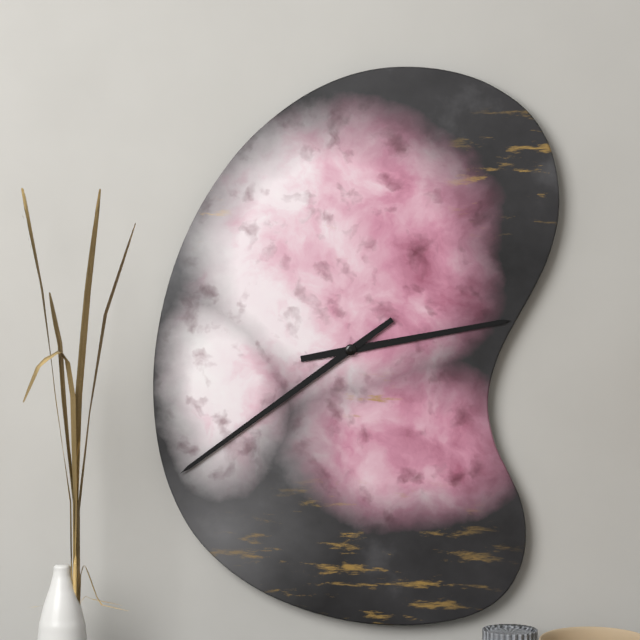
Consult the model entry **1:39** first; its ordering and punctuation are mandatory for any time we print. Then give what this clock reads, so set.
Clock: **2:39**
